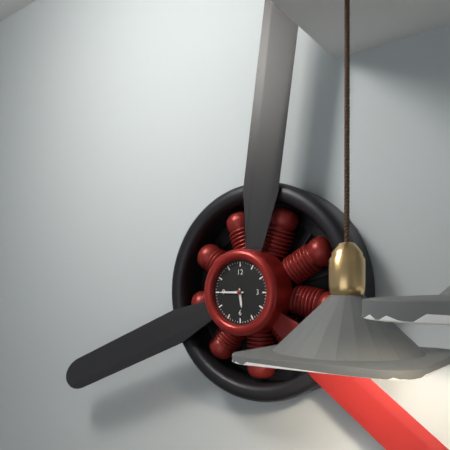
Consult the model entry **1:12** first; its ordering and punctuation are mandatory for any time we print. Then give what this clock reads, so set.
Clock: **5:45**
